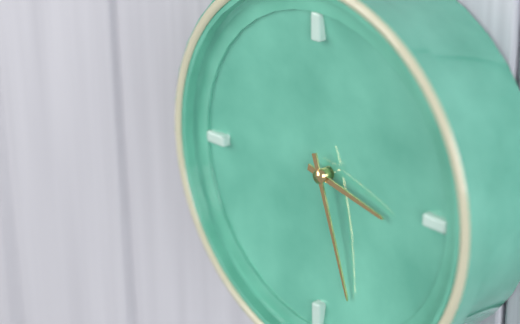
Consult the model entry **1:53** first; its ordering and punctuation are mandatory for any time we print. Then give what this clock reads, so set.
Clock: **3:27**
